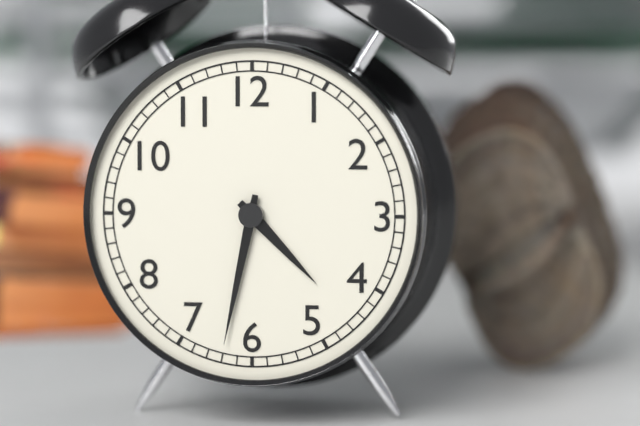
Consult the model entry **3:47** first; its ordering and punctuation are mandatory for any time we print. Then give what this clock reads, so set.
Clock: **4:32**
